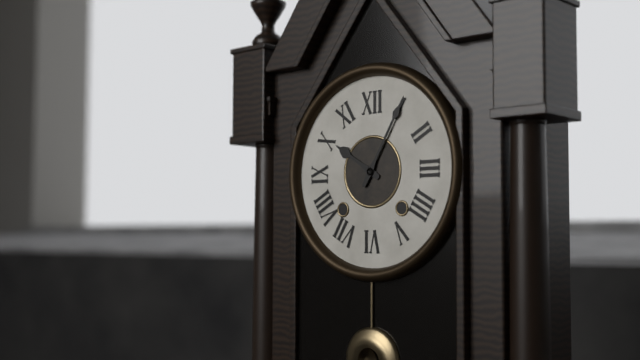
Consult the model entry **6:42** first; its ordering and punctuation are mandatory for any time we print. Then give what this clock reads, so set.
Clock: **10:05**
